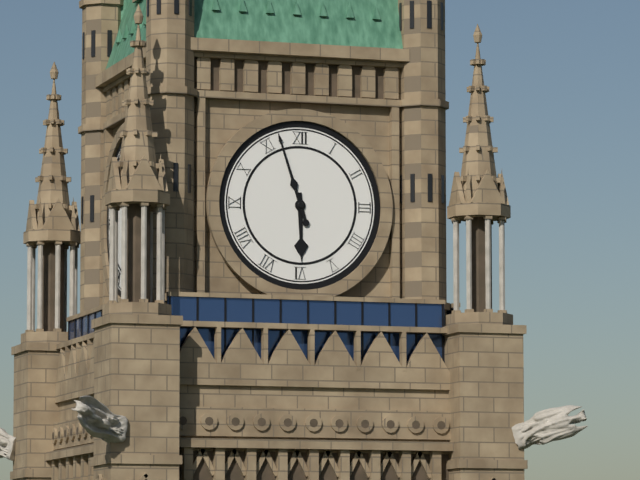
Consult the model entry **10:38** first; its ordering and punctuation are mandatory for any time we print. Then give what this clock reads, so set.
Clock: **5:57**
